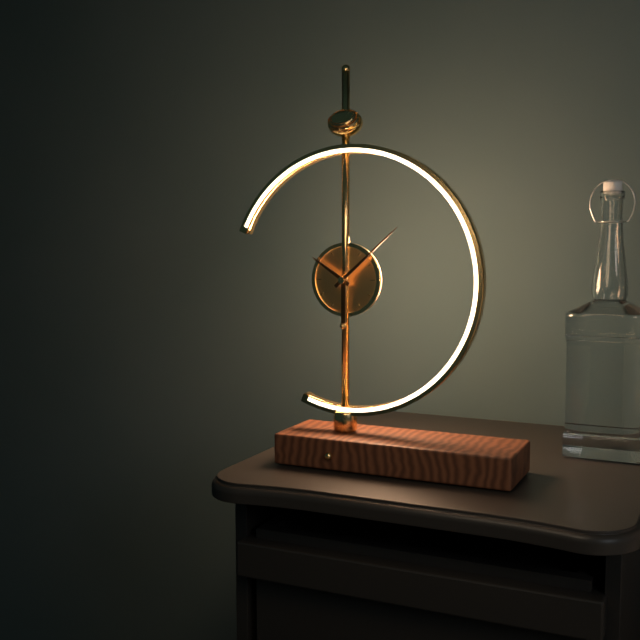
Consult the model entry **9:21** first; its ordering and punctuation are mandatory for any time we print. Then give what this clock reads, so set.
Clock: **10:08**
